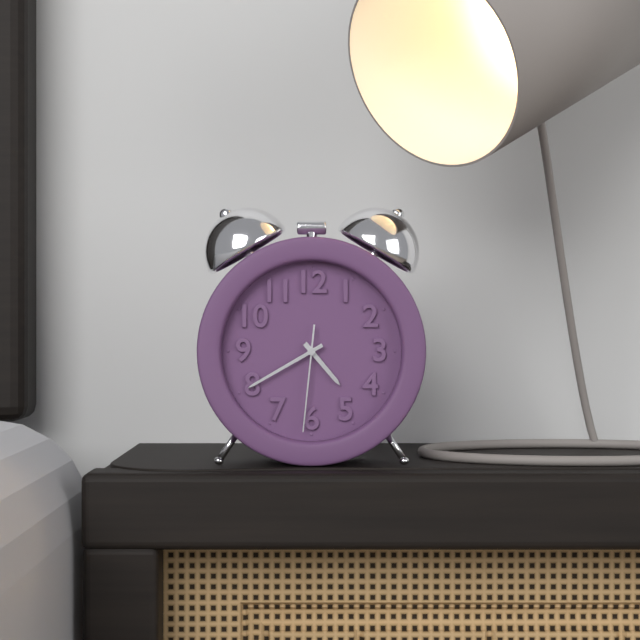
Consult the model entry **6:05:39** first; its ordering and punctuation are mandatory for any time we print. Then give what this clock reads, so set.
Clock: **4:40:31**
